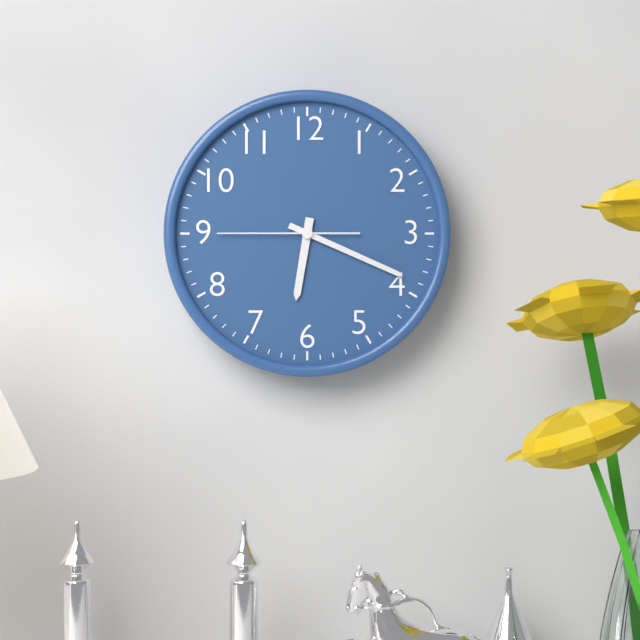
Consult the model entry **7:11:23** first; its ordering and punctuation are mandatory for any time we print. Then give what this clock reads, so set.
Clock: **6:19:45**
